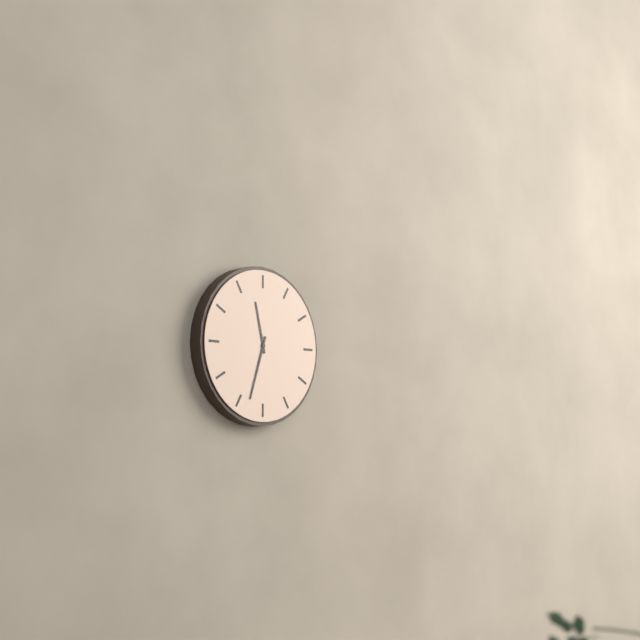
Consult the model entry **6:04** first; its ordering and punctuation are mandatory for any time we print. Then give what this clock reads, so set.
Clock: **11:33**
